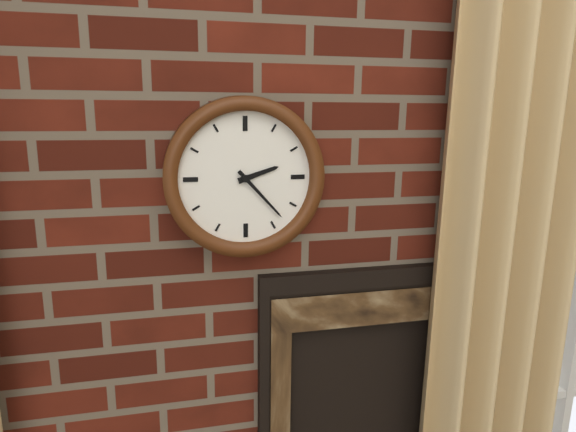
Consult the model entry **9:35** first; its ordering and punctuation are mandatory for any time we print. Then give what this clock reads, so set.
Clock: **2:23**
